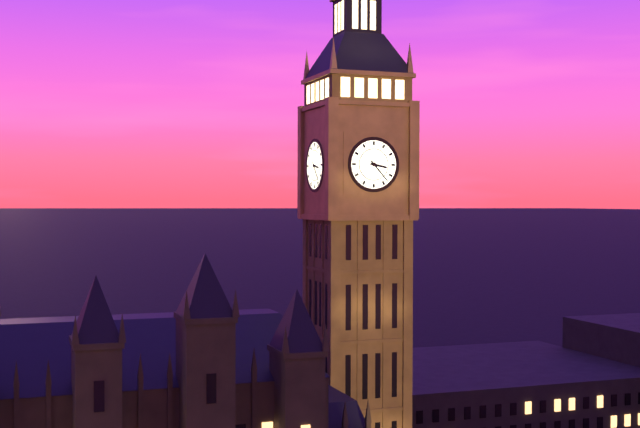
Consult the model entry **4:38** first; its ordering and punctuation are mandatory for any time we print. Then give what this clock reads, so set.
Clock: **3:23**
